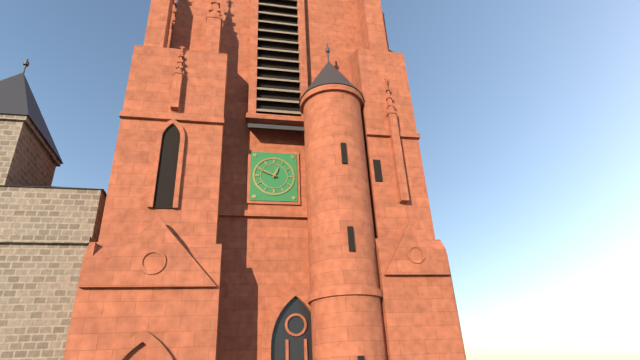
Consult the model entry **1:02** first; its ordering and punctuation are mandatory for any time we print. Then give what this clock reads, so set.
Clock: **12:49**
